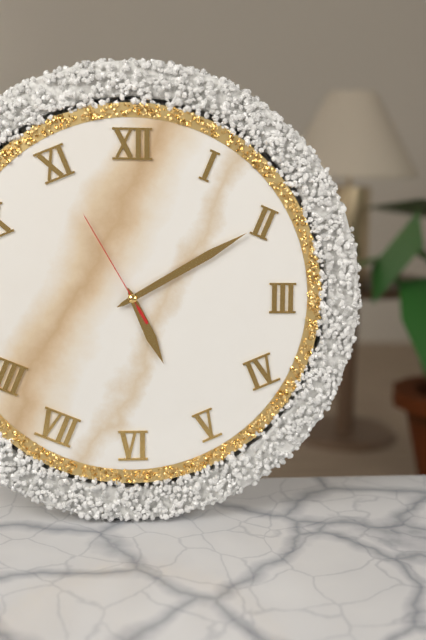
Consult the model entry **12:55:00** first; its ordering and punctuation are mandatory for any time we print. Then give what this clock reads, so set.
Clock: **5:10:55**
